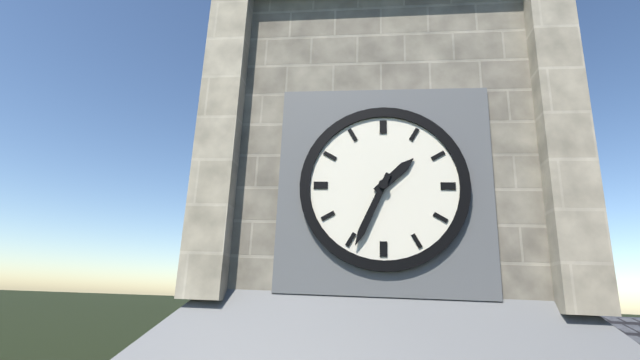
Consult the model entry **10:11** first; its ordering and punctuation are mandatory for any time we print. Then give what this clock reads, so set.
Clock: **1:34**
